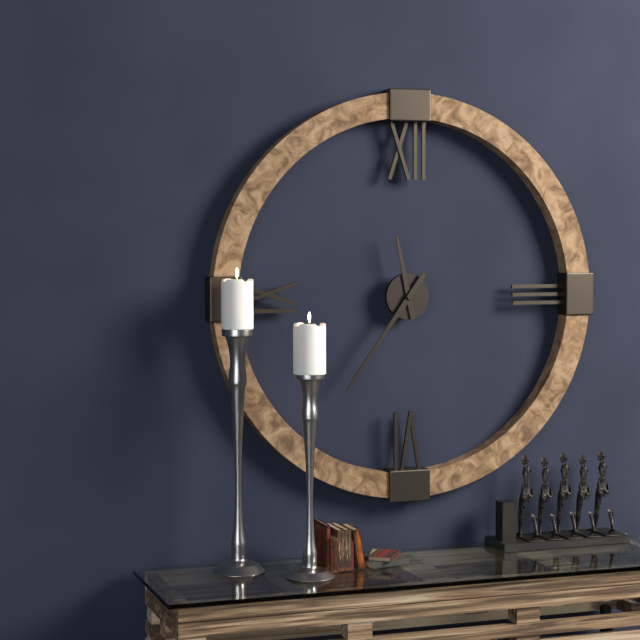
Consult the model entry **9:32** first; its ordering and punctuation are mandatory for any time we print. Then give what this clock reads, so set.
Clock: **11:36**
